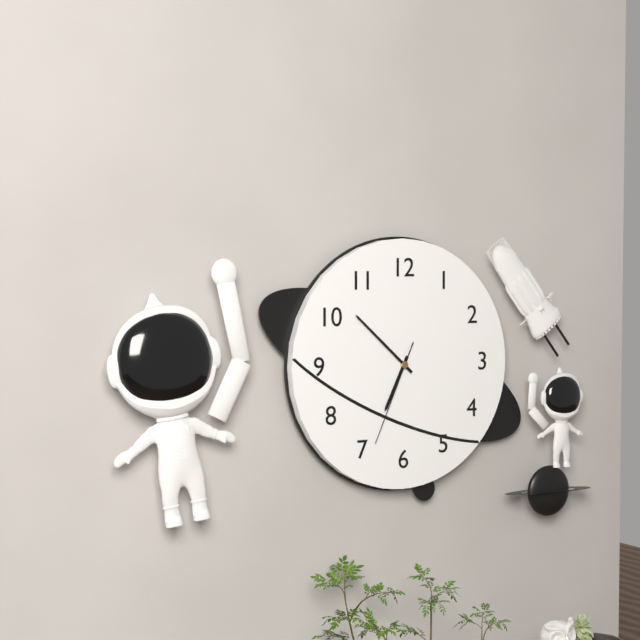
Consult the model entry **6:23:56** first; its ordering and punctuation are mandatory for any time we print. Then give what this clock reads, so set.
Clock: **6:52:34**
